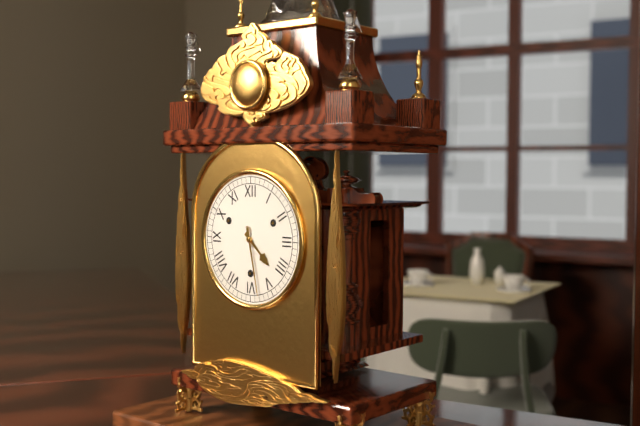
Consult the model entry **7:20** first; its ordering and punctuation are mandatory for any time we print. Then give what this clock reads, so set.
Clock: **4:28**
